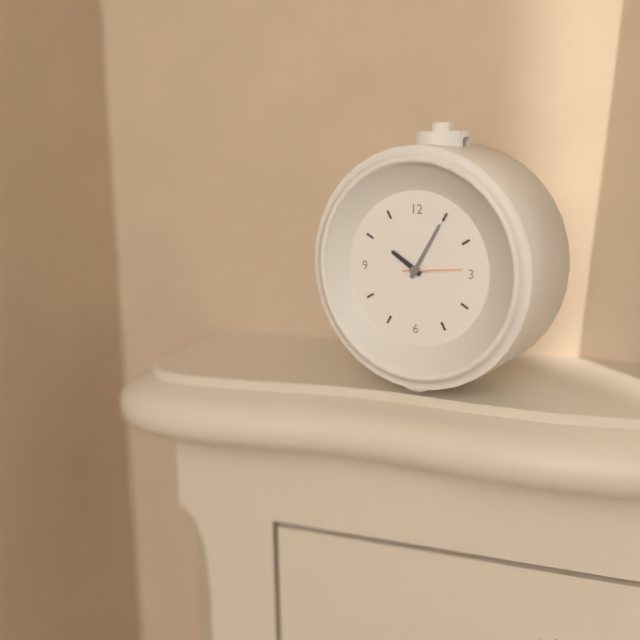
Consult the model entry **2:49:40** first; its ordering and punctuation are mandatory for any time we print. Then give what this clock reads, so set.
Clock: **10:05:14**
